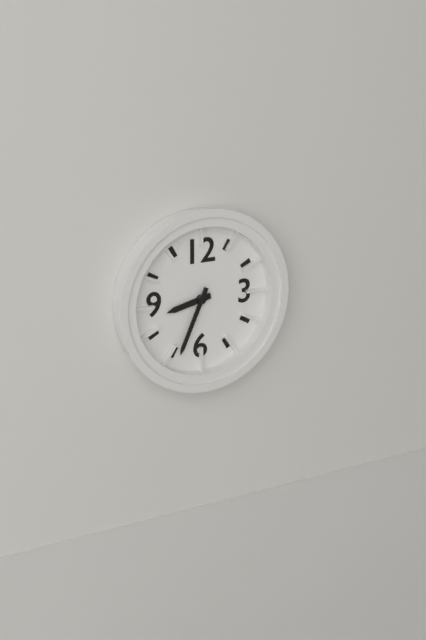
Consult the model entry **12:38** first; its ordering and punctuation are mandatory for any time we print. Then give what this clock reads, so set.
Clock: **8:34**
